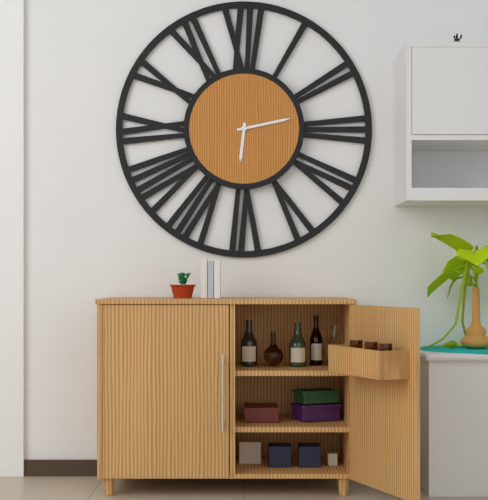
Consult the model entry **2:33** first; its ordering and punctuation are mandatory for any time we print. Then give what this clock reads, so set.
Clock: **6:13**
